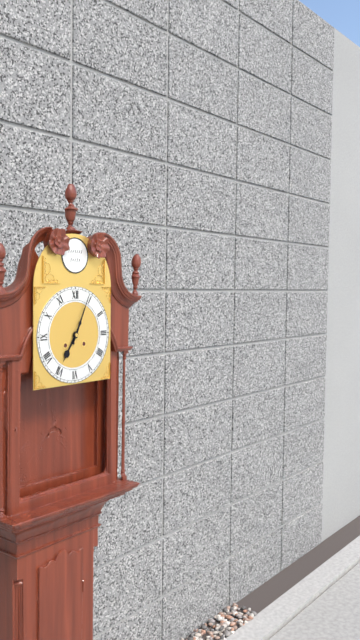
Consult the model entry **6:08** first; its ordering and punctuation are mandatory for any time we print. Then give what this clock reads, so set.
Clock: **7:04**
